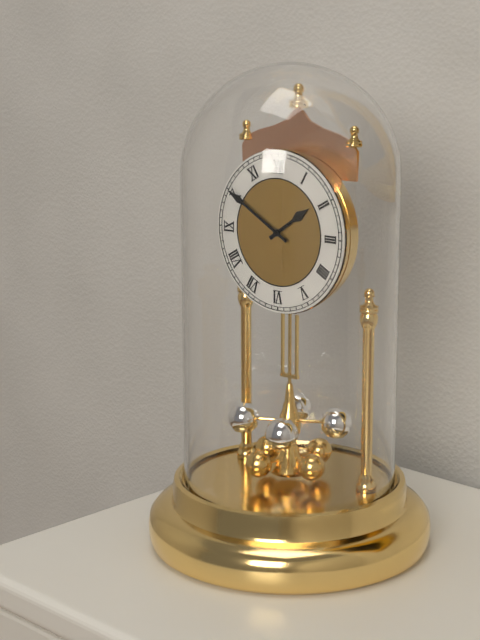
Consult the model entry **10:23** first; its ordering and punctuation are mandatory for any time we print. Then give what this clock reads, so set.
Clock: **1:50**
